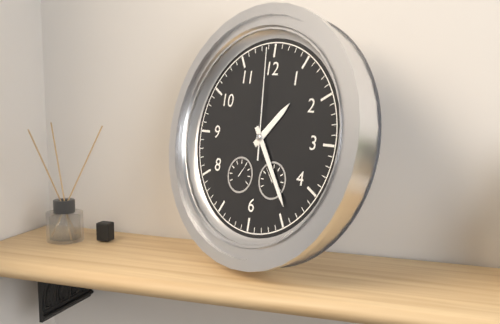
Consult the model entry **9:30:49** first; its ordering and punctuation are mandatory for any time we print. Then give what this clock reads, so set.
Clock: **1:24:59**
